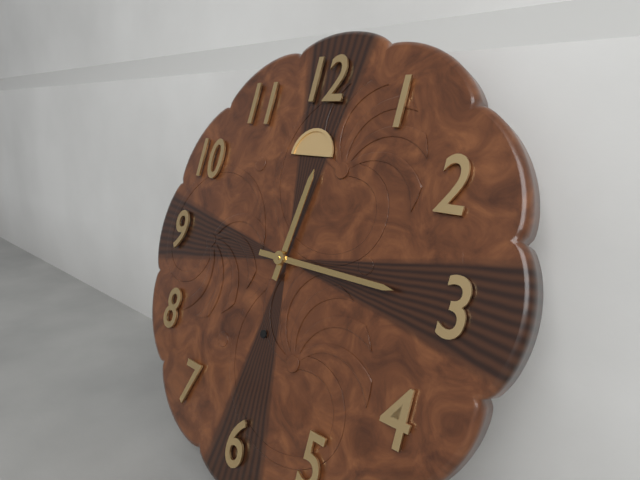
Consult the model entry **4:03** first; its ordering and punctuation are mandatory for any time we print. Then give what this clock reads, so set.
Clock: **12:15**
